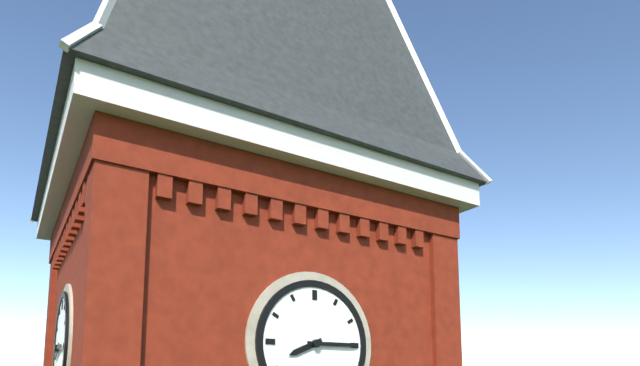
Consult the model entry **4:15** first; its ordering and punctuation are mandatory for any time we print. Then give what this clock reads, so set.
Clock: **8:15**
